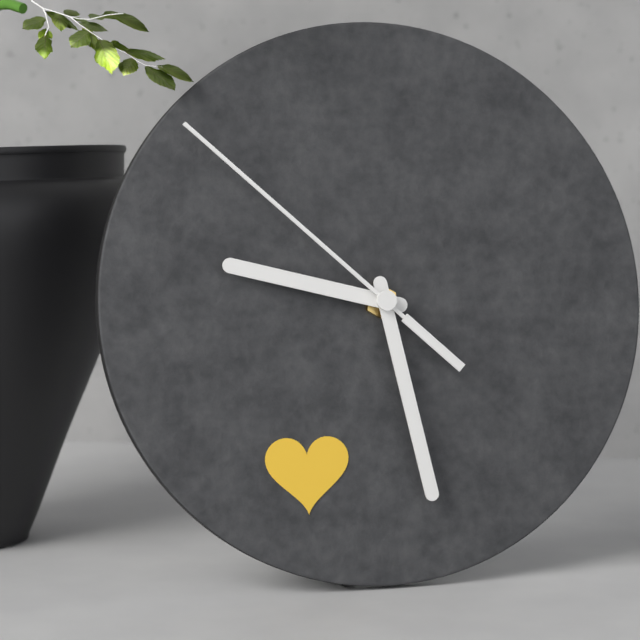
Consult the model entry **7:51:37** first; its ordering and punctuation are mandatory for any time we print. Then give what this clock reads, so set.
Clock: **9:28:52**
